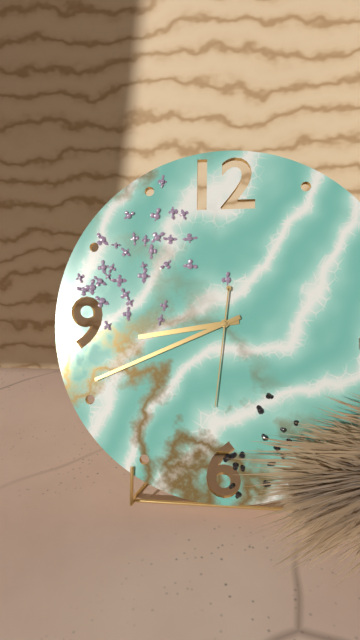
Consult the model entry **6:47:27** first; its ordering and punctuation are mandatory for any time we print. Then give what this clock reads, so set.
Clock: **8:41:31**
